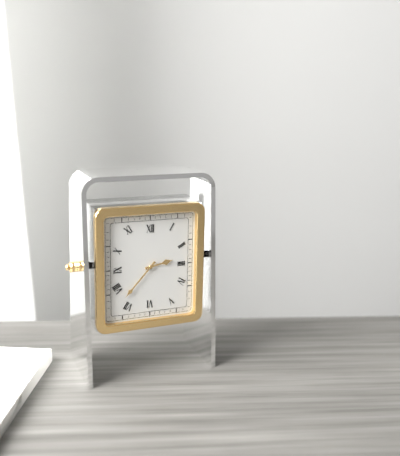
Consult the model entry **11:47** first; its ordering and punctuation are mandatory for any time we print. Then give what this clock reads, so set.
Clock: **2:37**
